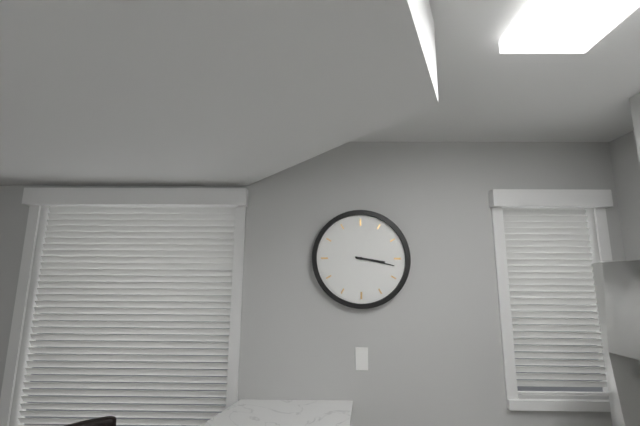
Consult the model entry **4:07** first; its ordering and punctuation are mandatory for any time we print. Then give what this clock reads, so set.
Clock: **3:17**
